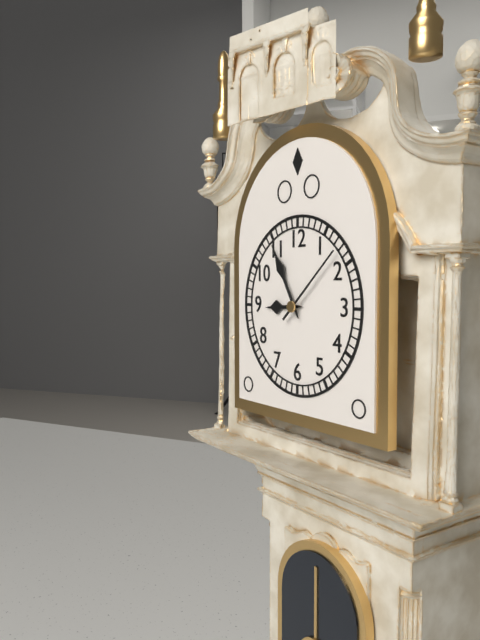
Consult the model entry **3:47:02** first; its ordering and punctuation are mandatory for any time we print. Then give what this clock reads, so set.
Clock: **8:55:08**
